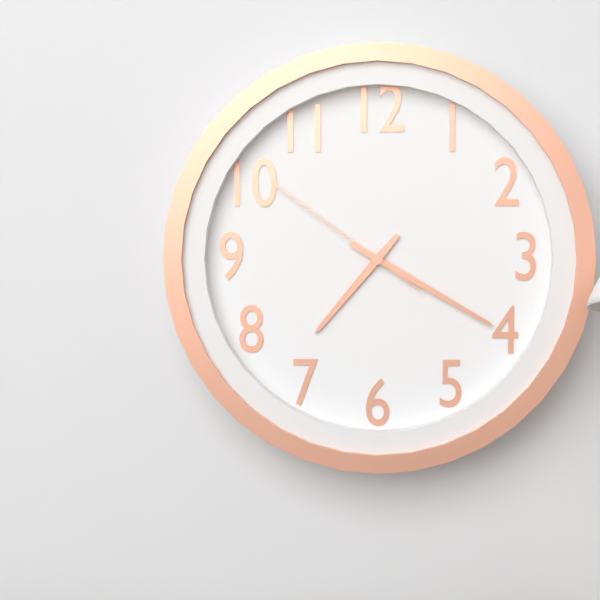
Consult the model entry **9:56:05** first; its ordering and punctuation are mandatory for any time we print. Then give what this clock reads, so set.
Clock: **7:20:51**
